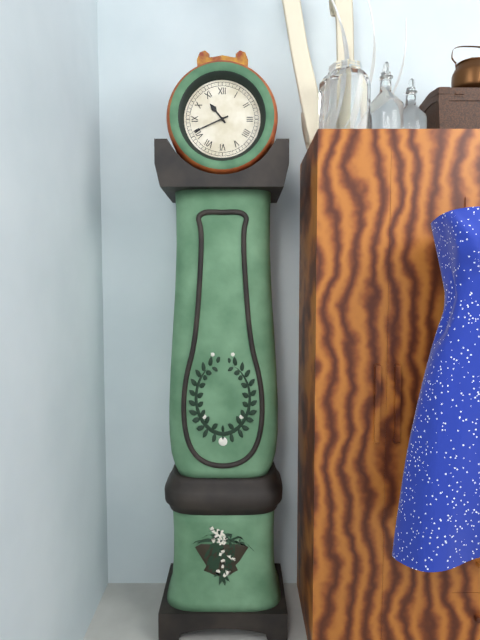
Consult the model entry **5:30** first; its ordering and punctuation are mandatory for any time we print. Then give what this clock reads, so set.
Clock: **10:41**
